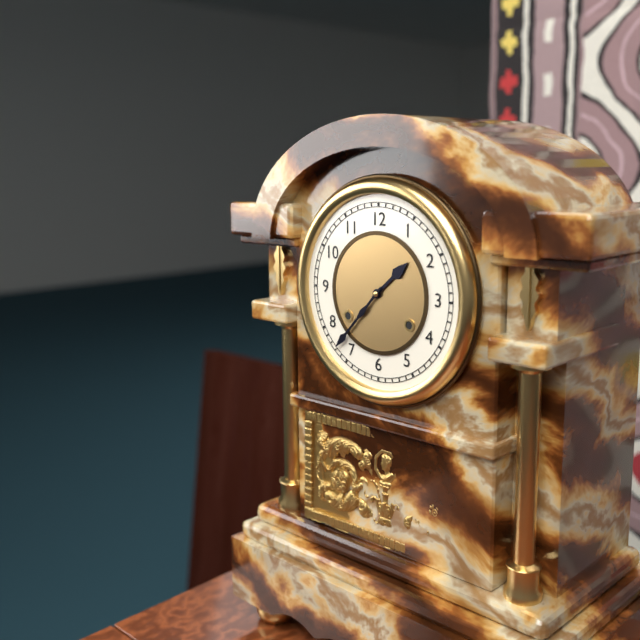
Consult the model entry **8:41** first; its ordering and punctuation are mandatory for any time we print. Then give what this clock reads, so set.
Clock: **1:37**
